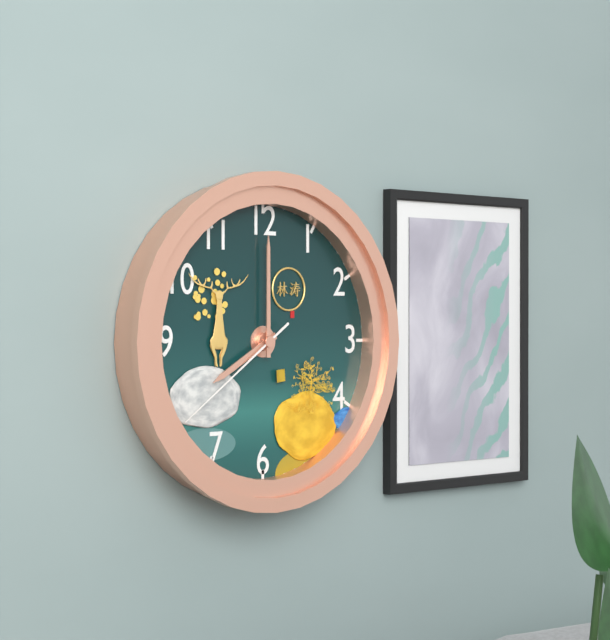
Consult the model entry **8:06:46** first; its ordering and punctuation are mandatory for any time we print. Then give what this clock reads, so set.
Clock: **8:00:39**
